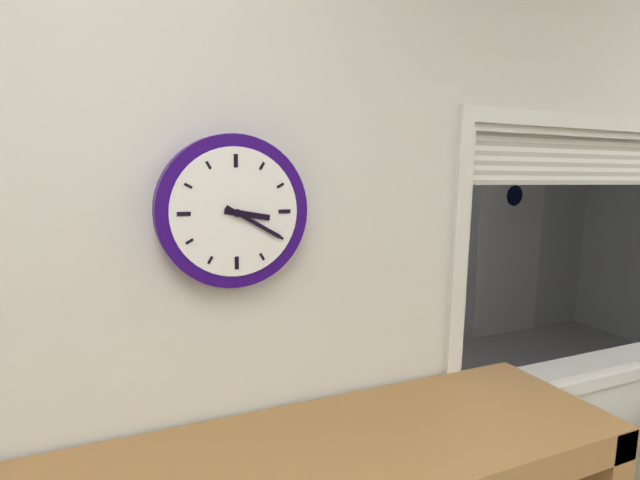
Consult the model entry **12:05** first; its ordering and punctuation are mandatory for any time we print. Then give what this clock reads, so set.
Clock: **3:20**
